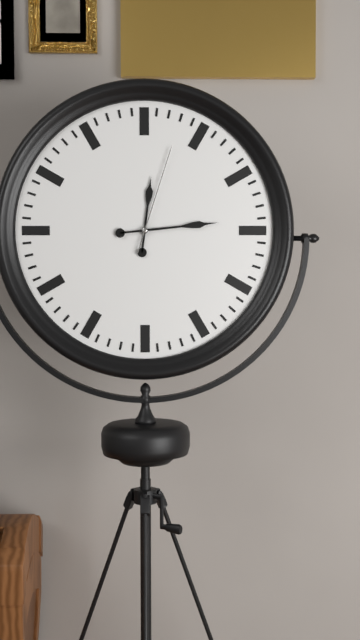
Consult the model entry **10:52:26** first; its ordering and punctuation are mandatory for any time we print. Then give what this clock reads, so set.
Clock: **12:14:03**
